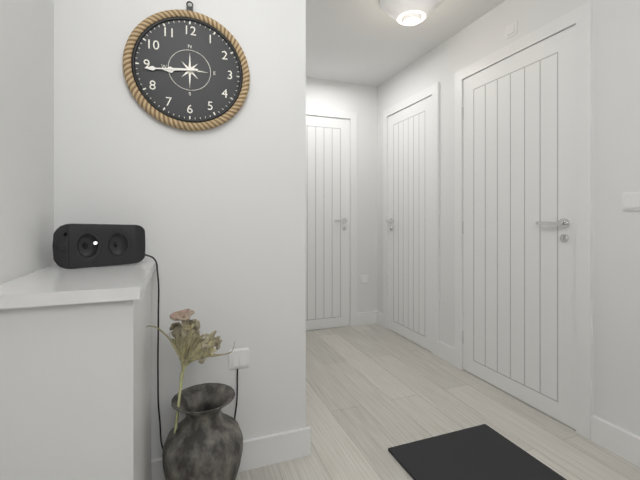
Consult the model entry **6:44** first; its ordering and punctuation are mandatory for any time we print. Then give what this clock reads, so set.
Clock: **8:44**
